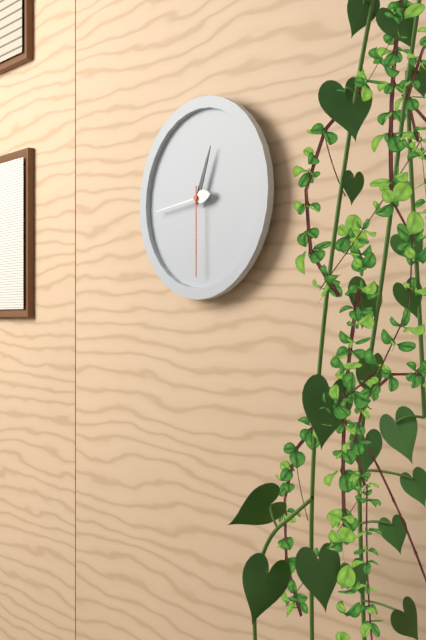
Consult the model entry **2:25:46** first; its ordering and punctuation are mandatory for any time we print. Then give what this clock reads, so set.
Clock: **12:44:30**
